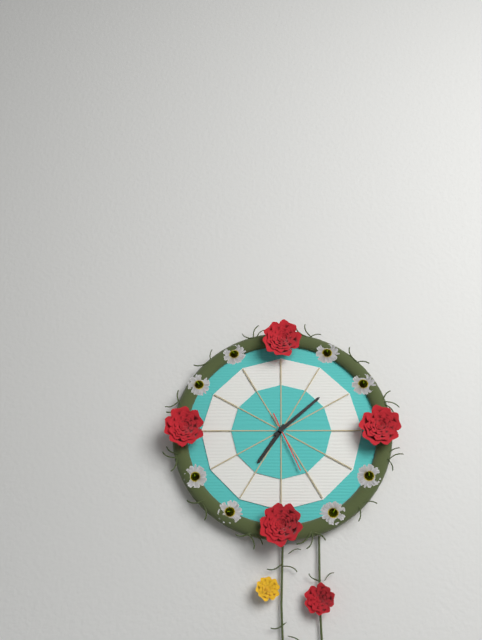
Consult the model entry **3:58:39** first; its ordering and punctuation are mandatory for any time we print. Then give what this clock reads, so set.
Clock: **7:08:26**
